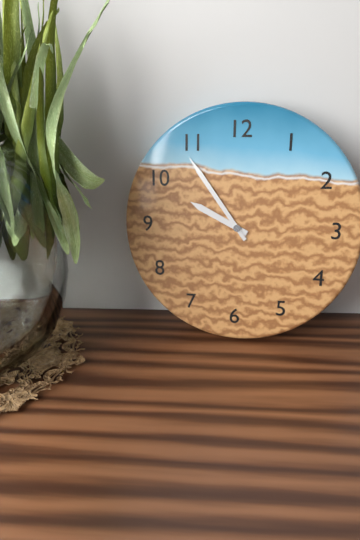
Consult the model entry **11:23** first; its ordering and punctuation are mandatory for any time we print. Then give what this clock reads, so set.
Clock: **9:54**
